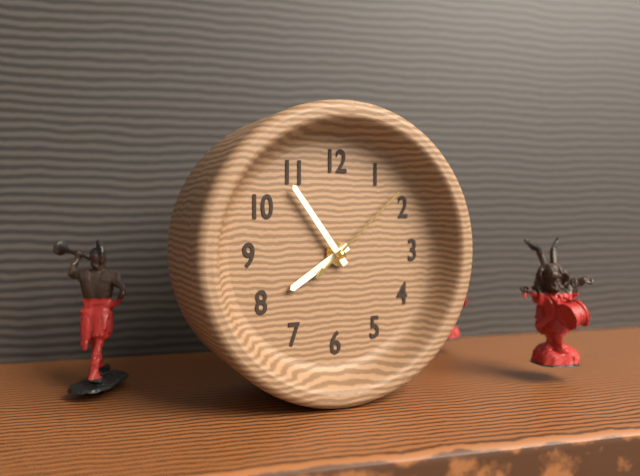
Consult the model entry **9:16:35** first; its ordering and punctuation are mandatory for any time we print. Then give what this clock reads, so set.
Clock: **7:54:08**
